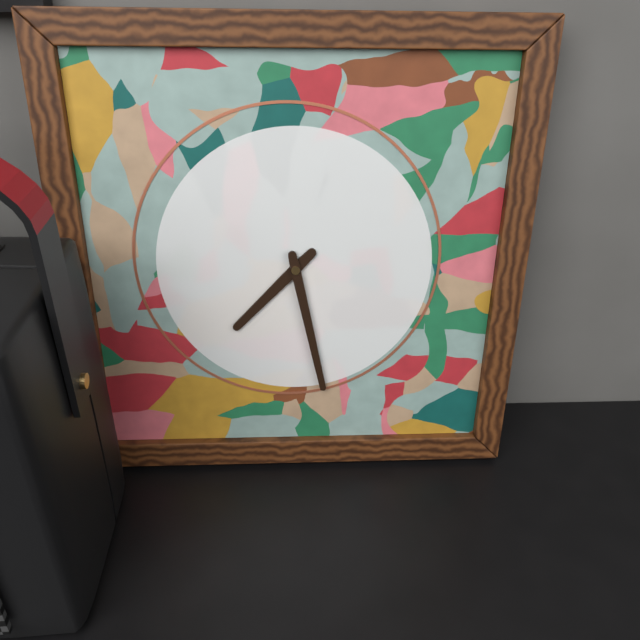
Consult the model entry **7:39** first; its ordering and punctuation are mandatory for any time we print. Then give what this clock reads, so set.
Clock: **7:28**
